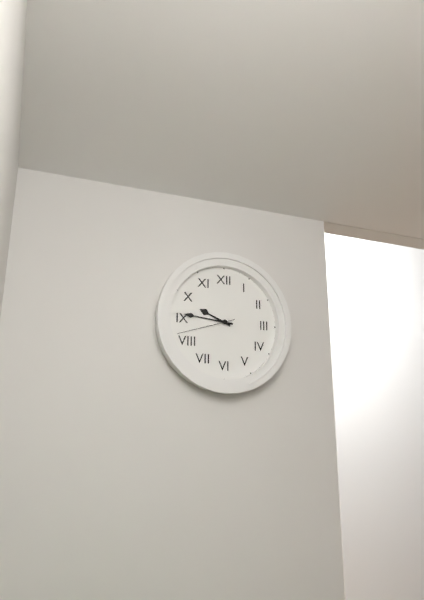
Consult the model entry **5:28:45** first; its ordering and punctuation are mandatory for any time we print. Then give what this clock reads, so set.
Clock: **9:46:42**
